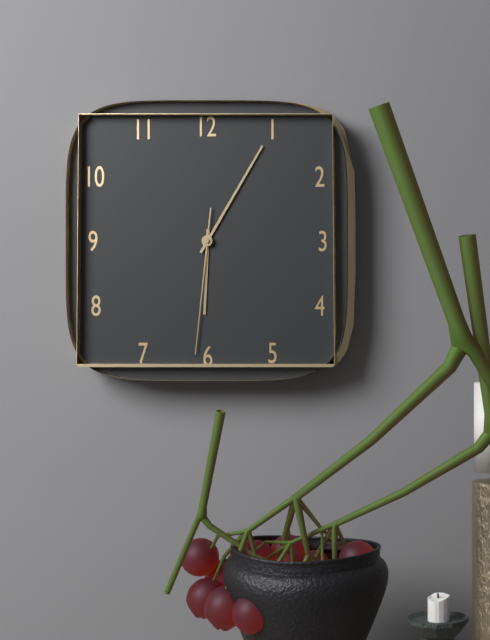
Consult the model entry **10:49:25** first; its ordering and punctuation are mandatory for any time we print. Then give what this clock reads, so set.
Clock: **6:05:31**
